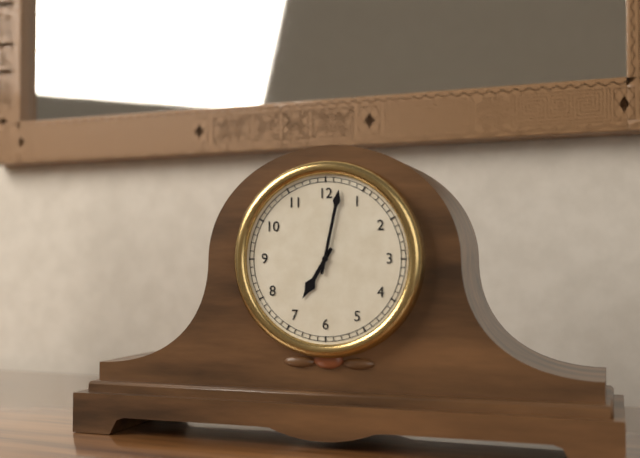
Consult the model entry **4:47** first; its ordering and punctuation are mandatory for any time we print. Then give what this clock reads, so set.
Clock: **7:02**
